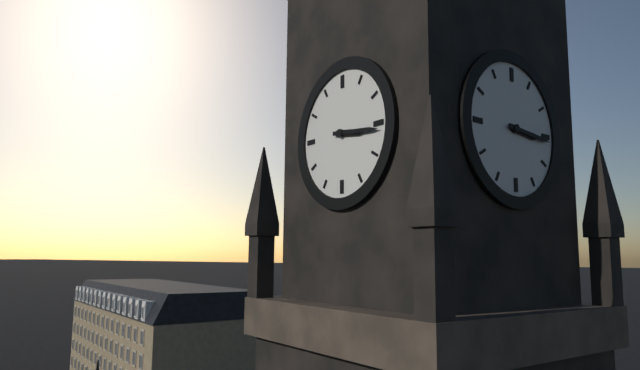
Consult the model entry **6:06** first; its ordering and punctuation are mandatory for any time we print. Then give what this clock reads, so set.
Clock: **3:16**
